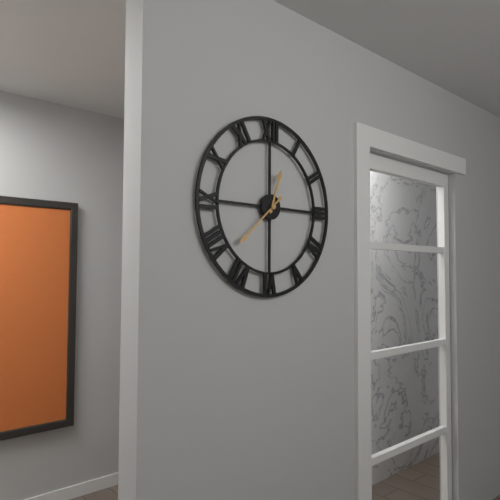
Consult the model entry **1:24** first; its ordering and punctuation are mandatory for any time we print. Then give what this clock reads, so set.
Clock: **12:38**
